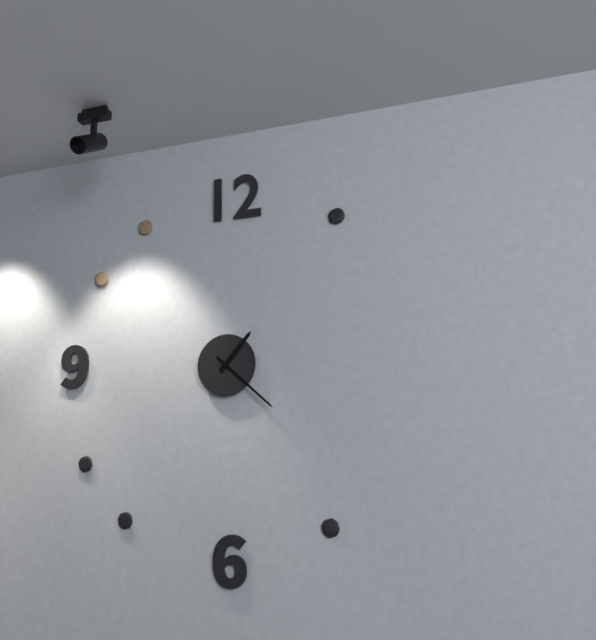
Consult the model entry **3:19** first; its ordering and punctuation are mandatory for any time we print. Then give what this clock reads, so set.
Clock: **1:22**
